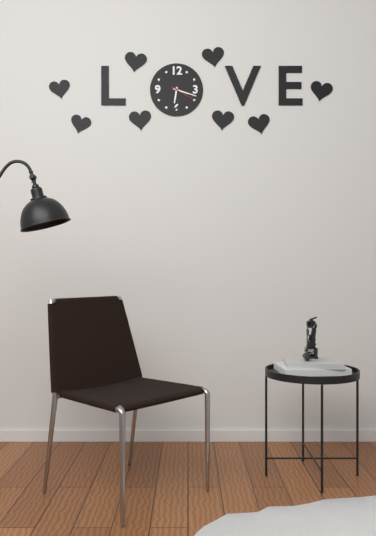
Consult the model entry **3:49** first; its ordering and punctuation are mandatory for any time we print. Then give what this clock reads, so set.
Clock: **6:18**
